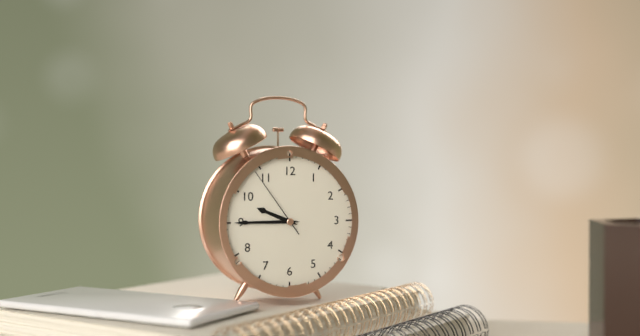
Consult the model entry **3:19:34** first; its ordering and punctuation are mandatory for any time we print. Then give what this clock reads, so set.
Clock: **9:45:54**
